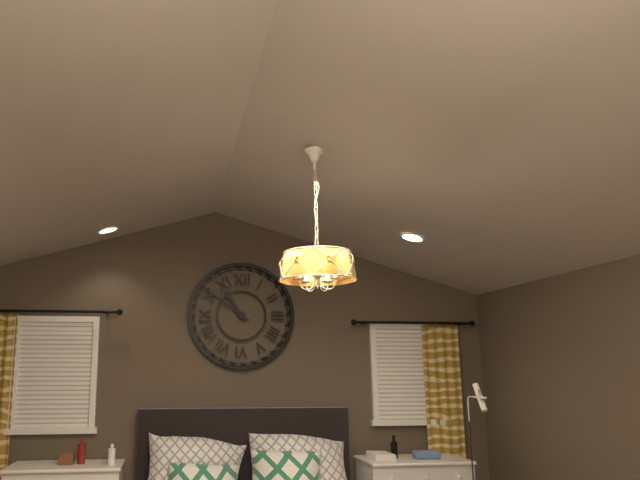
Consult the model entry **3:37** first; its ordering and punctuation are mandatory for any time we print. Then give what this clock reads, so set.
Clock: **10:51**
